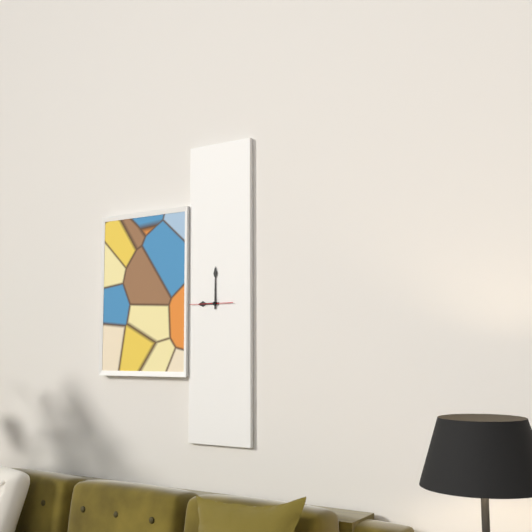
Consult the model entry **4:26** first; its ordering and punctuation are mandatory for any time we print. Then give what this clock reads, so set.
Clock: **9:00**
